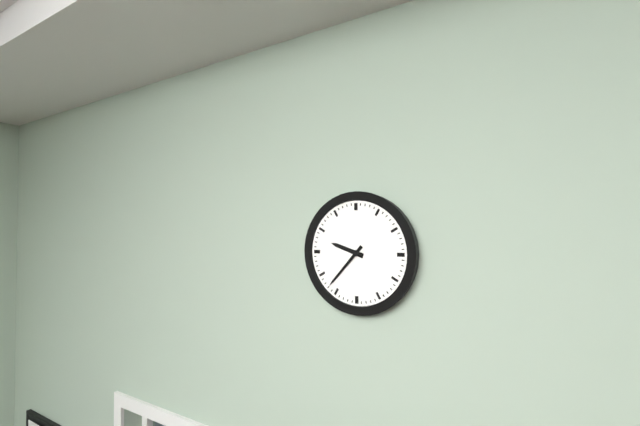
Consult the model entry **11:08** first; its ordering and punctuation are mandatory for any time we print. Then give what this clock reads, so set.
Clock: **9:37**
